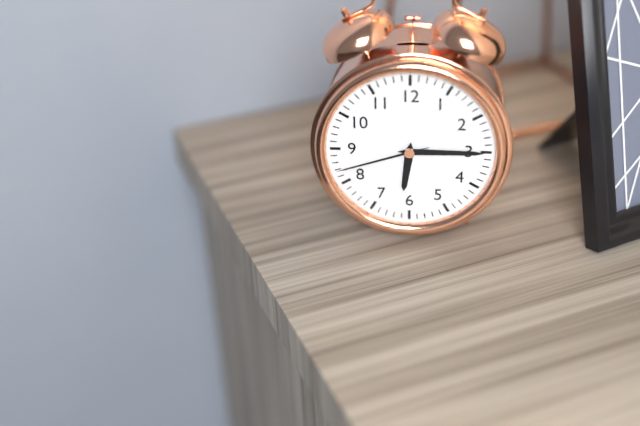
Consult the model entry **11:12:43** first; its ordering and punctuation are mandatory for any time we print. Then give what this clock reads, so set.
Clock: **6:15:42**
